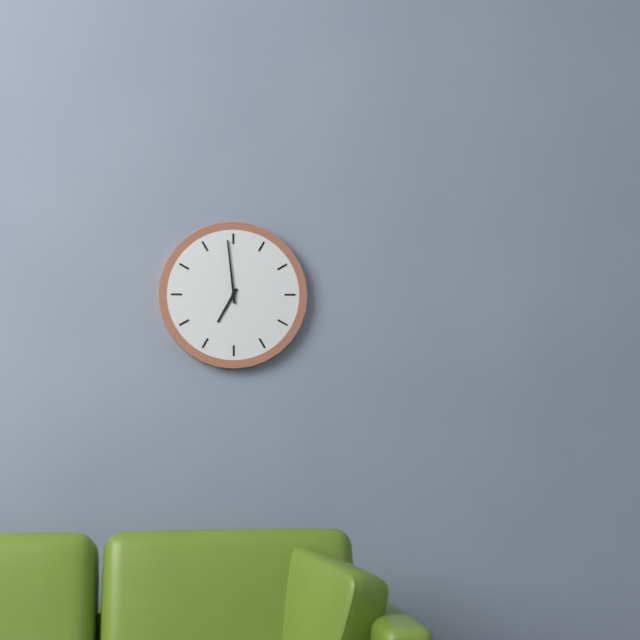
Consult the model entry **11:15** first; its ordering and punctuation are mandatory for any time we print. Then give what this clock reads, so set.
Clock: **6:59**
